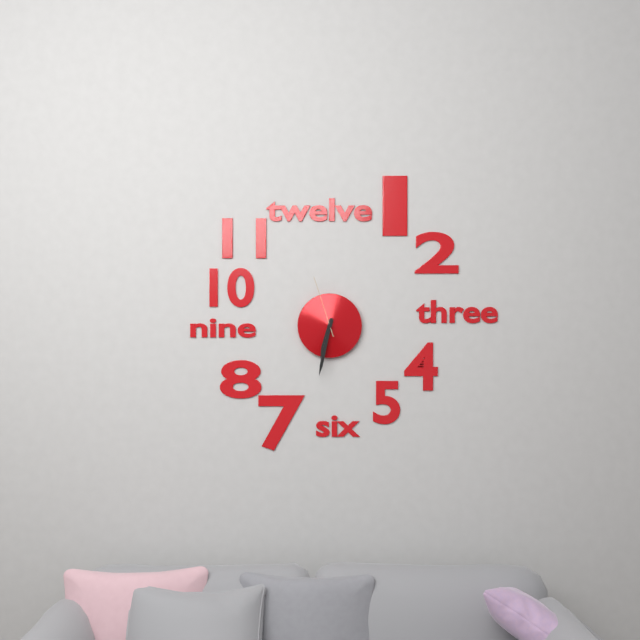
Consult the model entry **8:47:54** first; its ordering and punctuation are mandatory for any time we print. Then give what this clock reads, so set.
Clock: **6:32:57**
